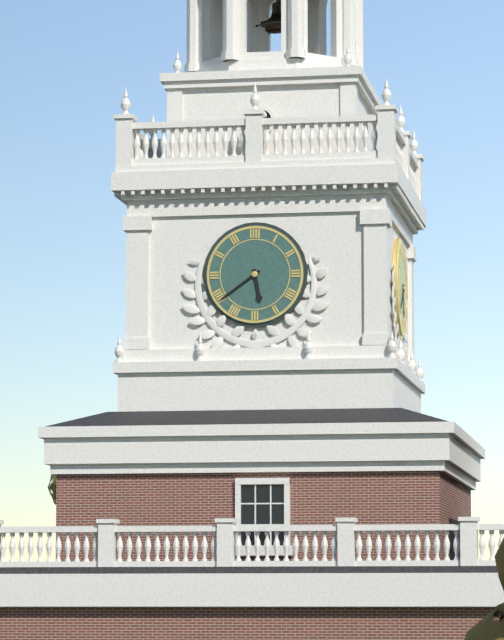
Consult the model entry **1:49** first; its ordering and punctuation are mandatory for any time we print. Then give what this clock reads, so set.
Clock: **5:39**
